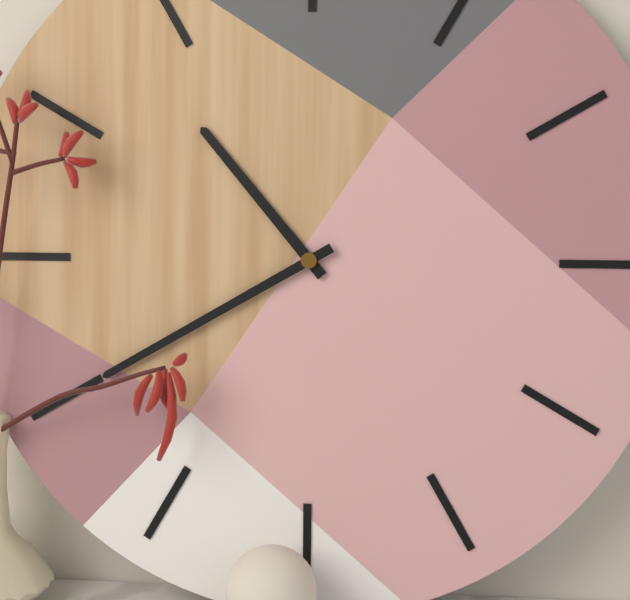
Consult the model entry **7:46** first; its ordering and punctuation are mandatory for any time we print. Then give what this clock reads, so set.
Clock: **10:40**
